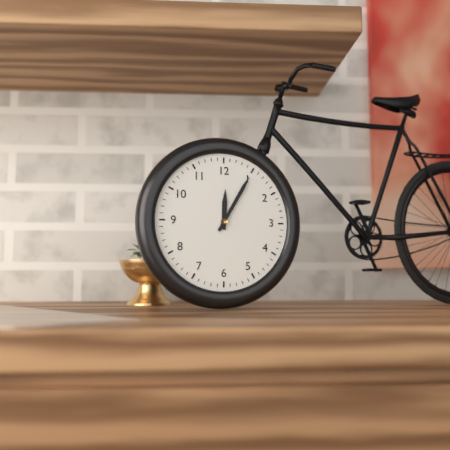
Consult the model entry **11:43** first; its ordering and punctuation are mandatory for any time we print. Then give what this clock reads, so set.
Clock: **12:05**
